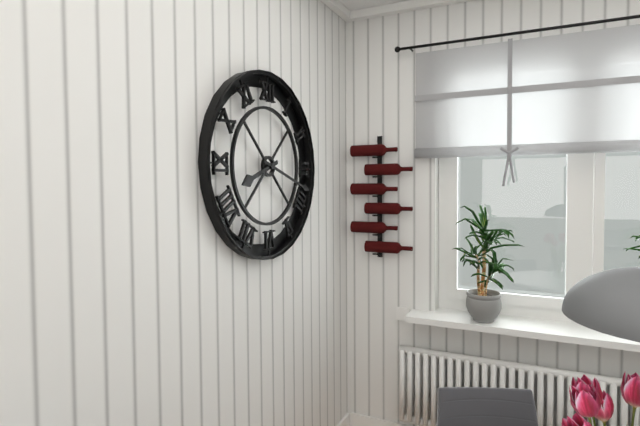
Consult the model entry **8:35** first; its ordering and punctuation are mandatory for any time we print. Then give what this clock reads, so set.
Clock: **8:18**
